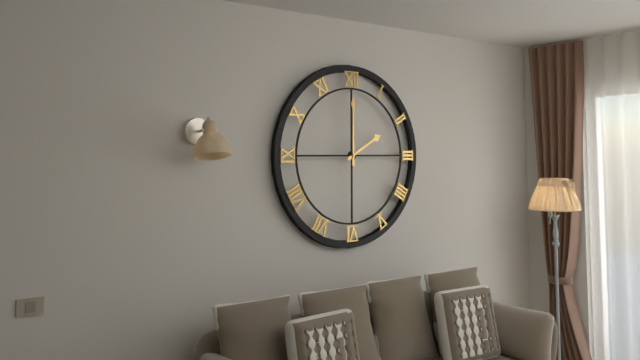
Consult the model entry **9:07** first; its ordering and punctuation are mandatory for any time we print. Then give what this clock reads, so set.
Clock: **2:00**
